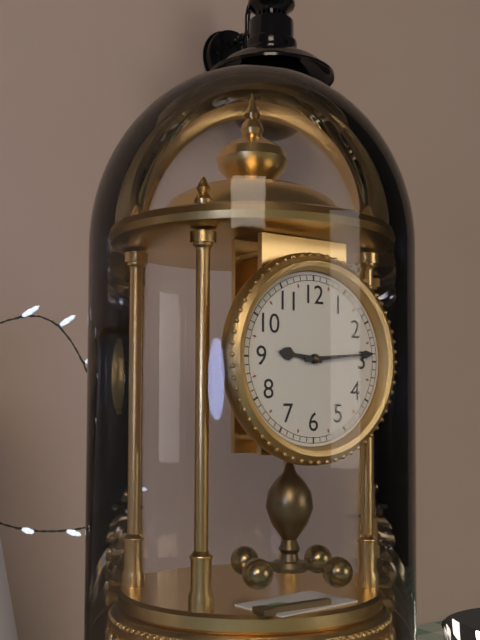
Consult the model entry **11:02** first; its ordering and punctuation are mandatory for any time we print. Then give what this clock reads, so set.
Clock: **9:14**
